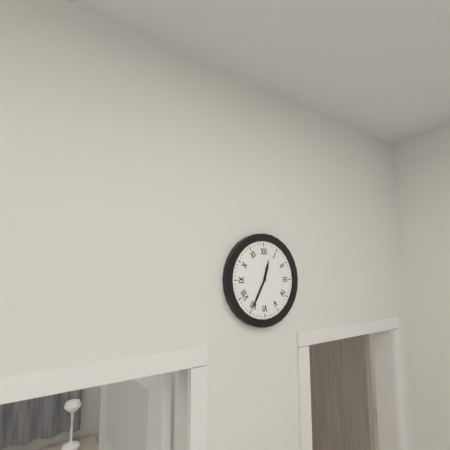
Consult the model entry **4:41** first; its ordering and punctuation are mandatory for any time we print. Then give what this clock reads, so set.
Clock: **12:35**
